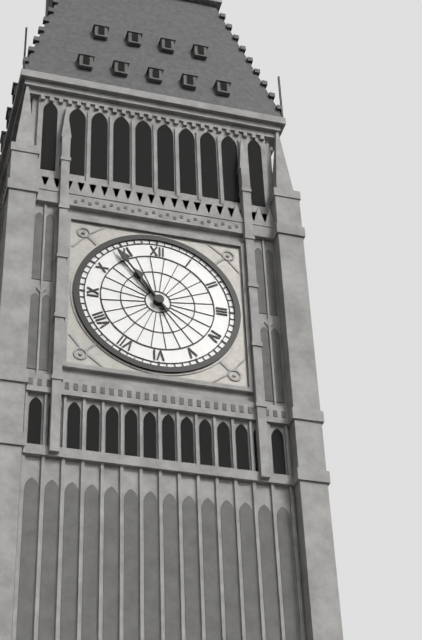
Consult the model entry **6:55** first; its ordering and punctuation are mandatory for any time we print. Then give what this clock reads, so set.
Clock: **10:54**
